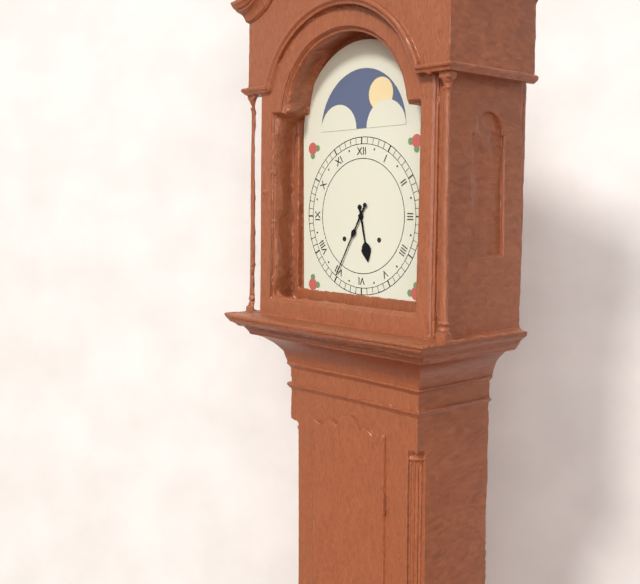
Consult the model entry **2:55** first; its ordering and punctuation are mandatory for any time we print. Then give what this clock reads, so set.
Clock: **5:35**
